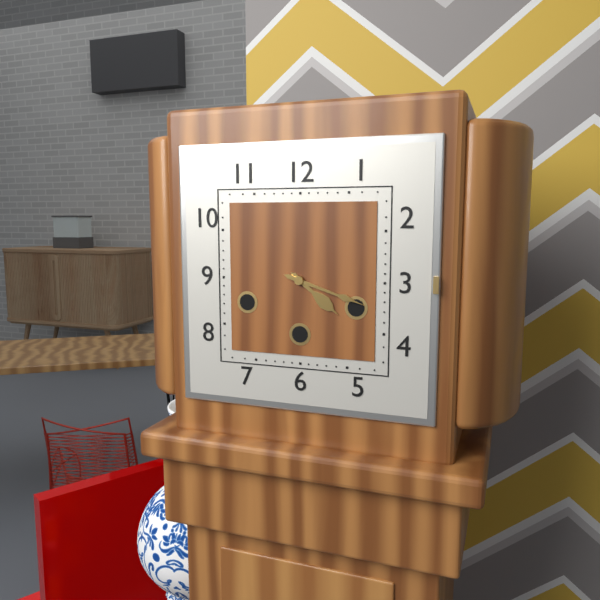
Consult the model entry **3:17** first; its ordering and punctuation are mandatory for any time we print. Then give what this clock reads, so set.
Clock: **4:18**
